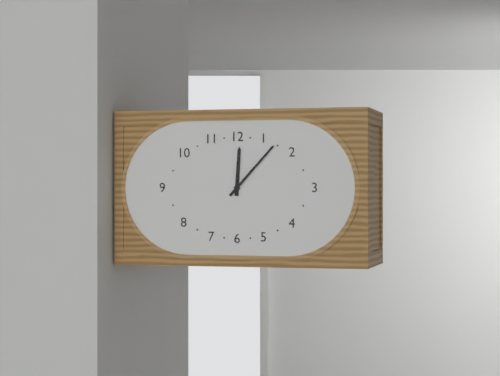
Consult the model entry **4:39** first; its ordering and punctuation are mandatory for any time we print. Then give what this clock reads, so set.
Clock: **12:07**
